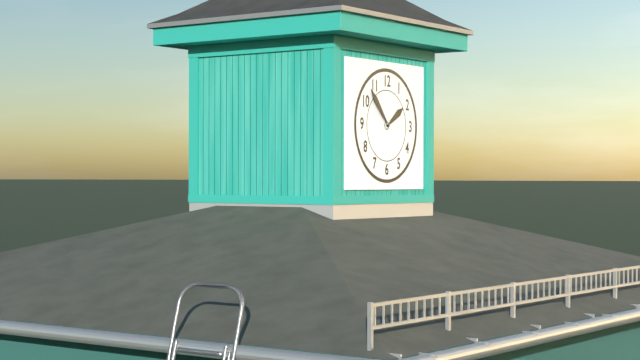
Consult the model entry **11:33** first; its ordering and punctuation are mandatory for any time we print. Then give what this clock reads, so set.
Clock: **1:53**
